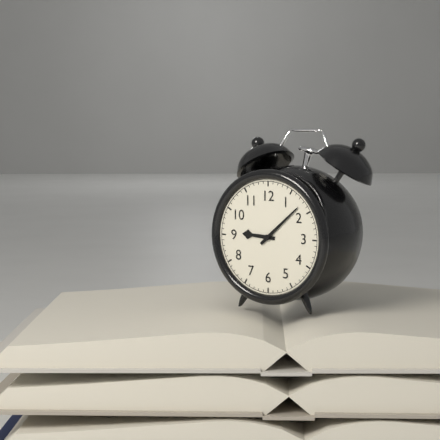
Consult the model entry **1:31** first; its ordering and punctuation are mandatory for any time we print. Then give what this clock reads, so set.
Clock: **9:08**
